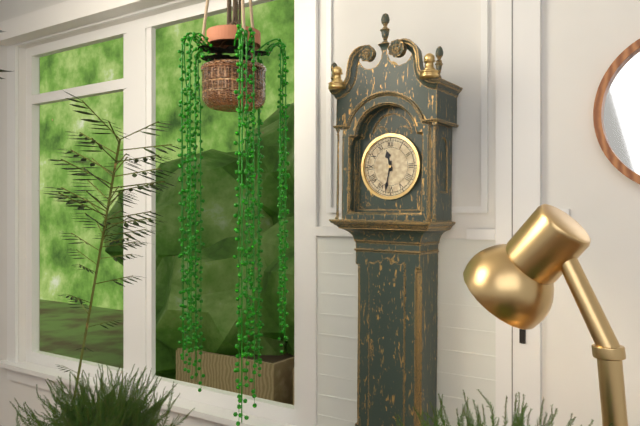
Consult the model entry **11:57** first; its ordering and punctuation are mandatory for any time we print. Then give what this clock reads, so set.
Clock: **11:32**
